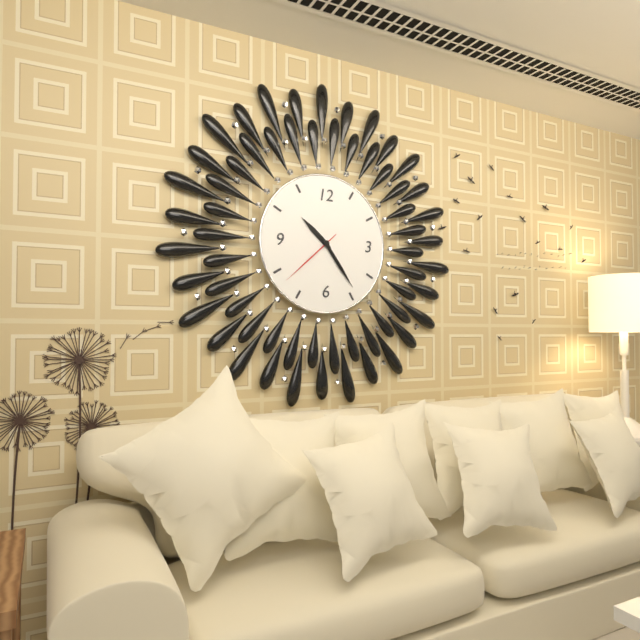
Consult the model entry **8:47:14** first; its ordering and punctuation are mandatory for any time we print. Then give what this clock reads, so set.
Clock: **10:24:38**
